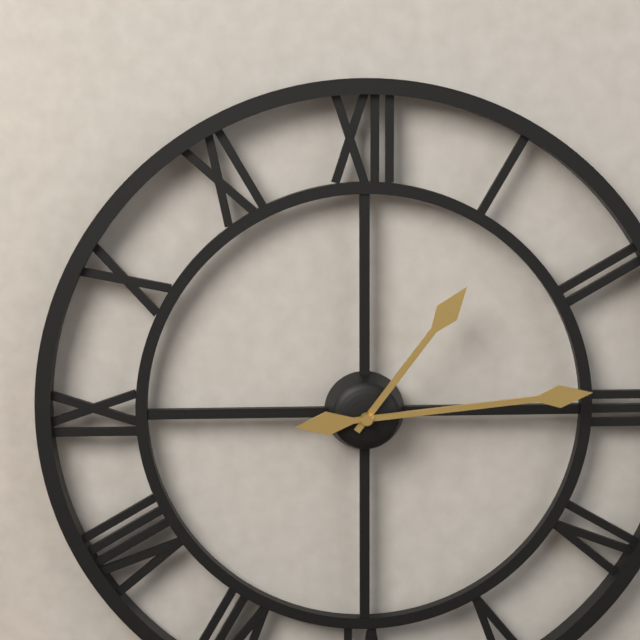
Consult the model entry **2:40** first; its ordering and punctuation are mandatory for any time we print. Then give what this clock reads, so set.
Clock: **1:14**
